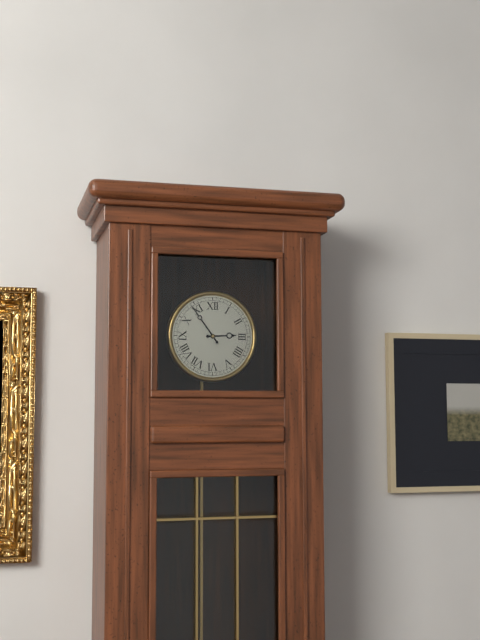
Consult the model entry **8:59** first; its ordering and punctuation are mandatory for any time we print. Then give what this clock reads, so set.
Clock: **2:54**
